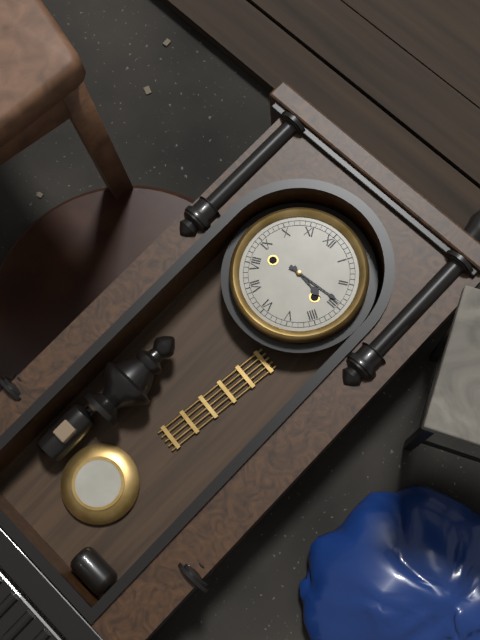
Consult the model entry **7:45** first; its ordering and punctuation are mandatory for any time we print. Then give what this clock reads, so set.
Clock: **3:14**
